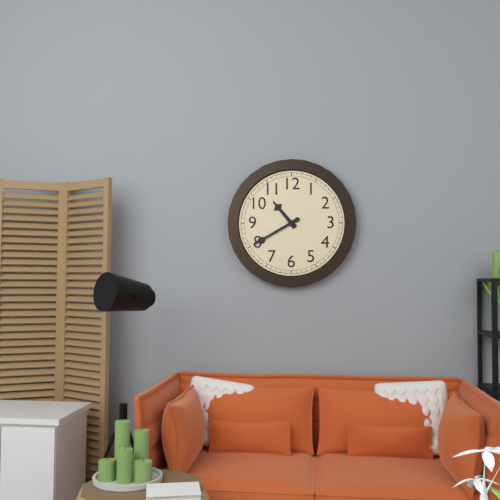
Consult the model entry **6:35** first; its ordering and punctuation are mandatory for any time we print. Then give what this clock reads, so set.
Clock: **10:40**
